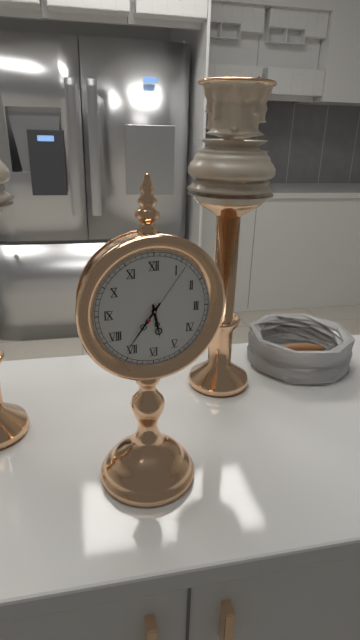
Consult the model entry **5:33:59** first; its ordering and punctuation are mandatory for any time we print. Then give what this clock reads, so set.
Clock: **5:36:06**
